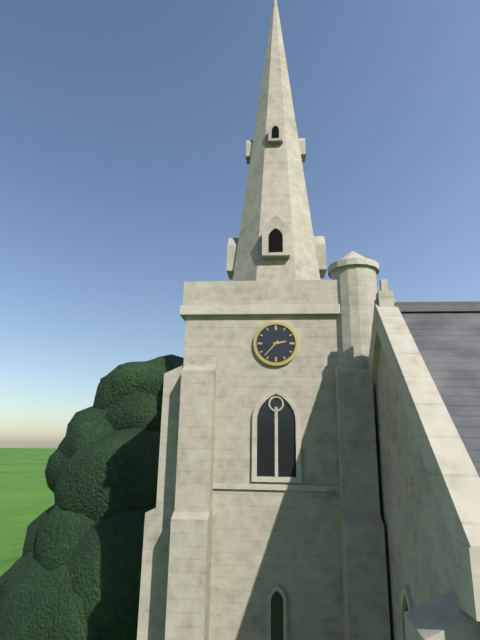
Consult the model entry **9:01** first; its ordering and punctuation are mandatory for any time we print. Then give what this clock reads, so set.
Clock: **2:37**
